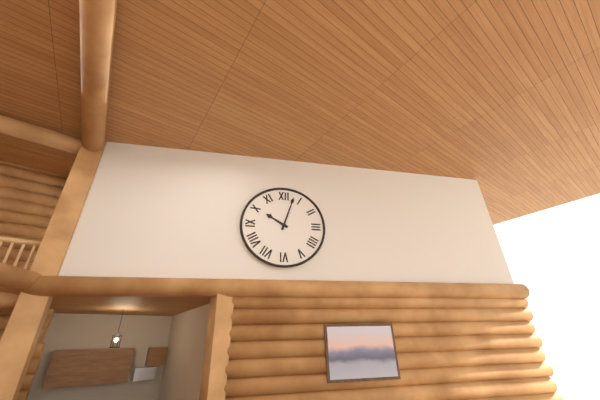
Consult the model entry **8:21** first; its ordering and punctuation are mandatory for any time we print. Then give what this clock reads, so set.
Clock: **10:03**
